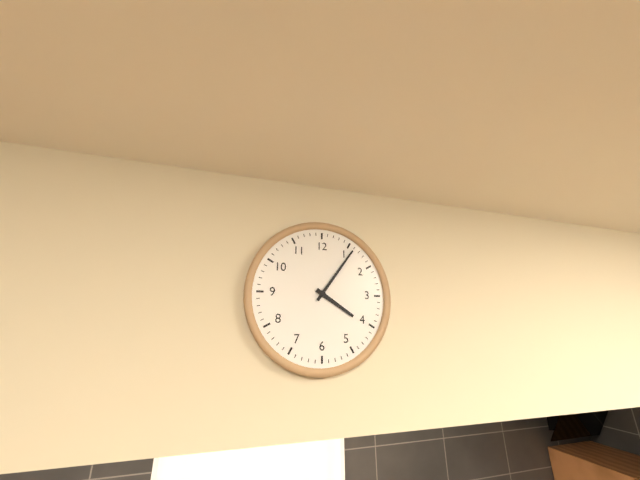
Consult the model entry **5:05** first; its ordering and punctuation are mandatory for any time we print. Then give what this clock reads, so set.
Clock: **4:06**
